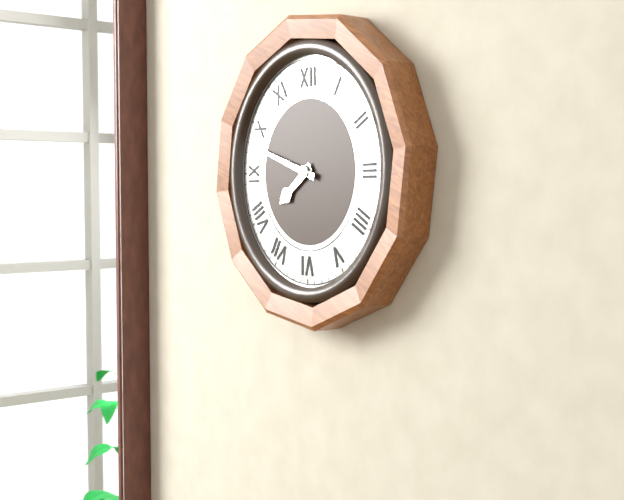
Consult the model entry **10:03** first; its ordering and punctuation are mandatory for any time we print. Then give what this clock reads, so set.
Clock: **7:48**
